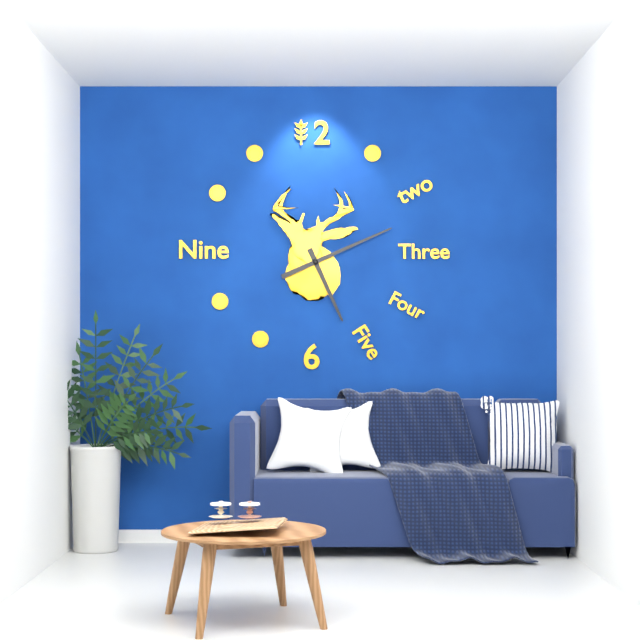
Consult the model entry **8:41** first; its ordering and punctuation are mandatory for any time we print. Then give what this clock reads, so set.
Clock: **5:11**
